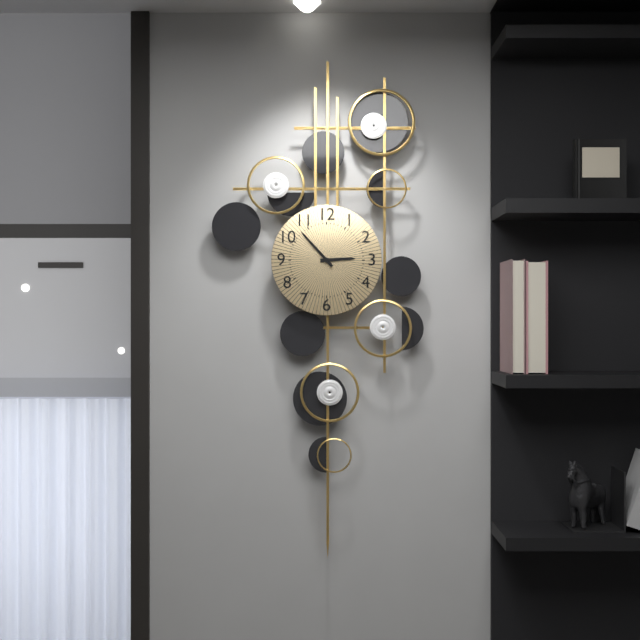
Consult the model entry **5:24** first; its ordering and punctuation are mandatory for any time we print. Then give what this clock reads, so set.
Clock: **2:53**
